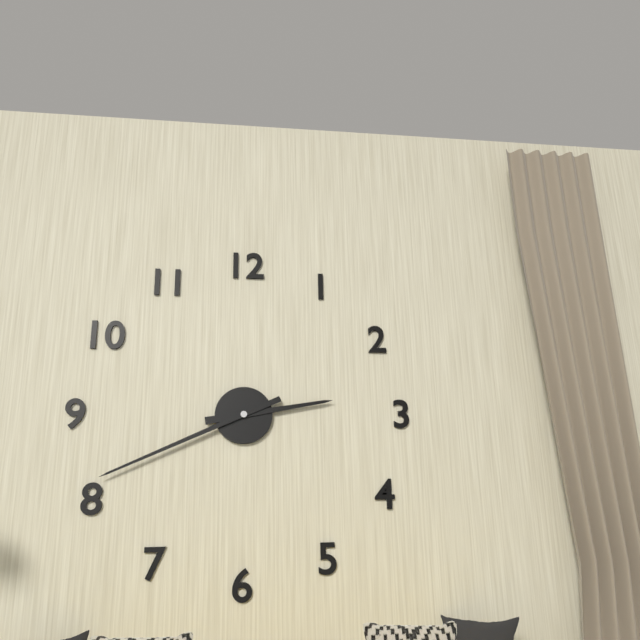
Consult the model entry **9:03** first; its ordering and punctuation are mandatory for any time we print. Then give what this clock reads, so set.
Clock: **2:41**
